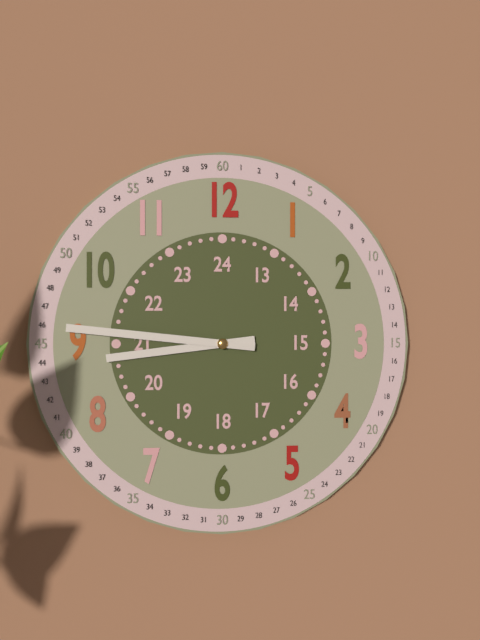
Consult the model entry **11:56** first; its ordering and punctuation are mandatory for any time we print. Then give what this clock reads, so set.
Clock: **8:46**
